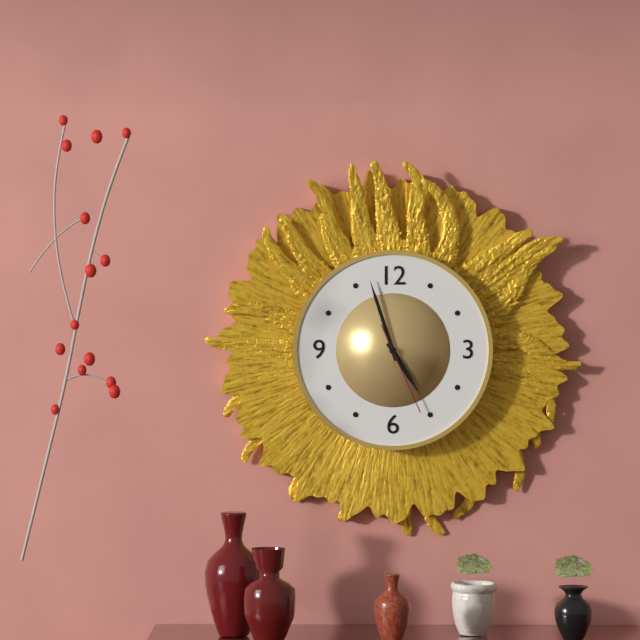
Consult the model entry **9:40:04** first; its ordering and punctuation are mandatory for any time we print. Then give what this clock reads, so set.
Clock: **4:57:26**
